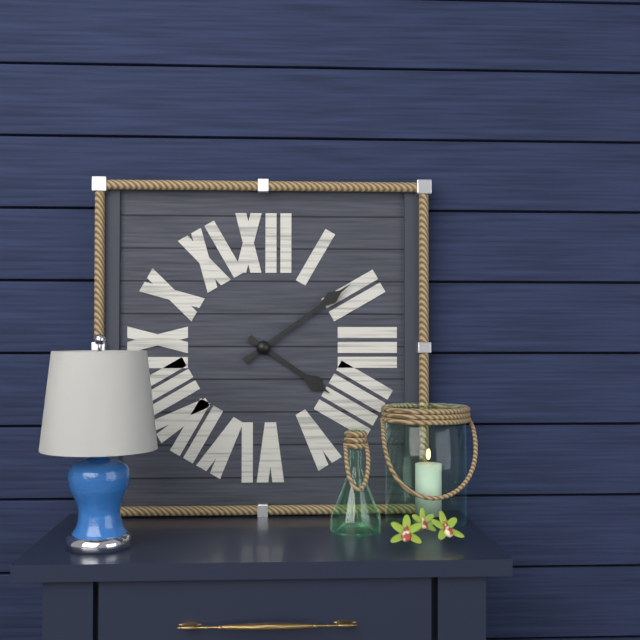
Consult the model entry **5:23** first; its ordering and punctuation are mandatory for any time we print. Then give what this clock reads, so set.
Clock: **4:09**
